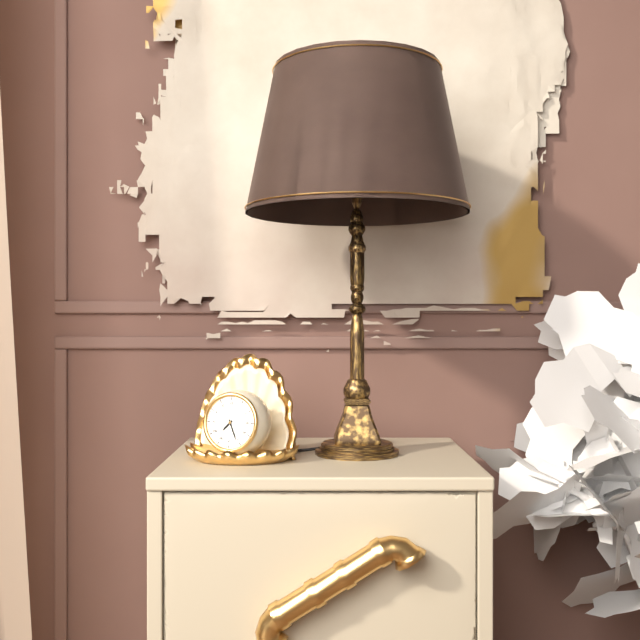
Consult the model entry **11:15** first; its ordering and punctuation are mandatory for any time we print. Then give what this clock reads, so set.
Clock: **7:26**
